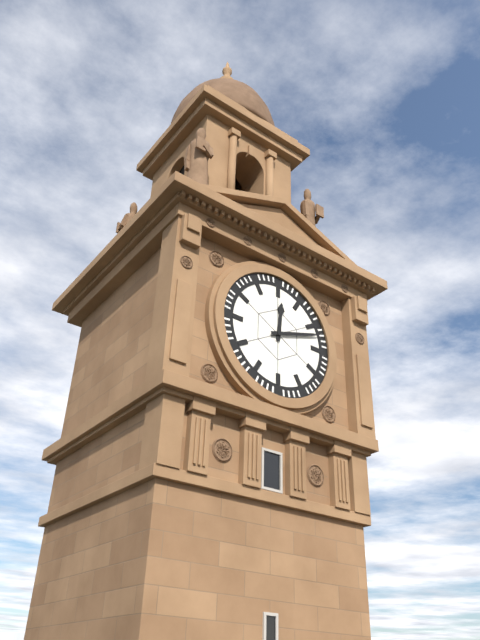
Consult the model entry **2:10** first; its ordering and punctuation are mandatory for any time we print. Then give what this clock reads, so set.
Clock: **12:12**
